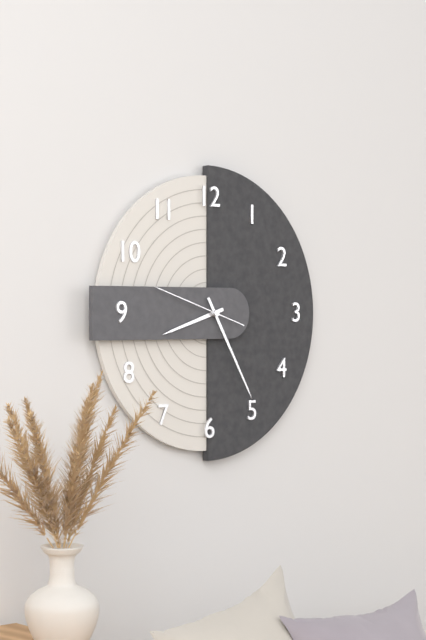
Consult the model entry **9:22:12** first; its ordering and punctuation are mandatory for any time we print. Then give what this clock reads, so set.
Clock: **8:25:48**
